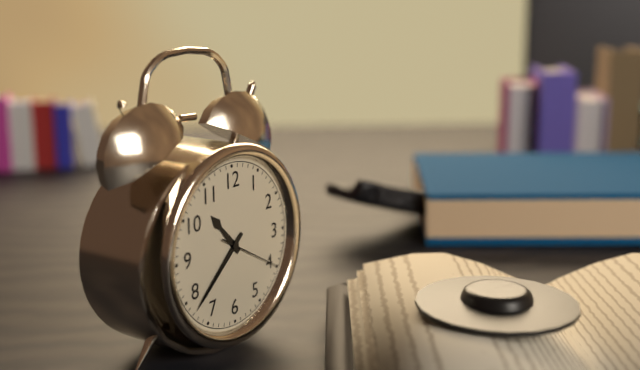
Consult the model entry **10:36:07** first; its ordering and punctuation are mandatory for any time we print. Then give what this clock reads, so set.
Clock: **10:38:20**
